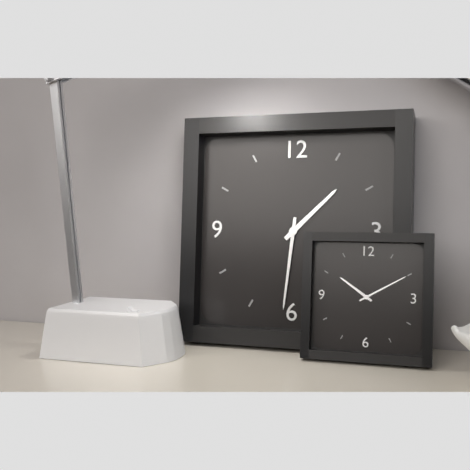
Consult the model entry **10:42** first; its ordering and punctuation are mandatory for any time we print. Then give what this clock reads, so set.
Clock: **1:31**
